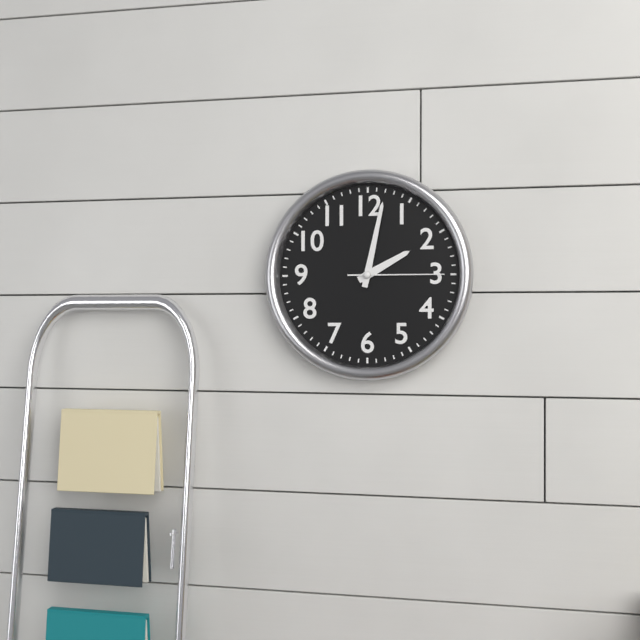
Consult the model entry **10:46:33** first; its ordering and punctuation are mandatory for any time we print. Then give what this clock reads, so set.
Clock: **2:02:15**
